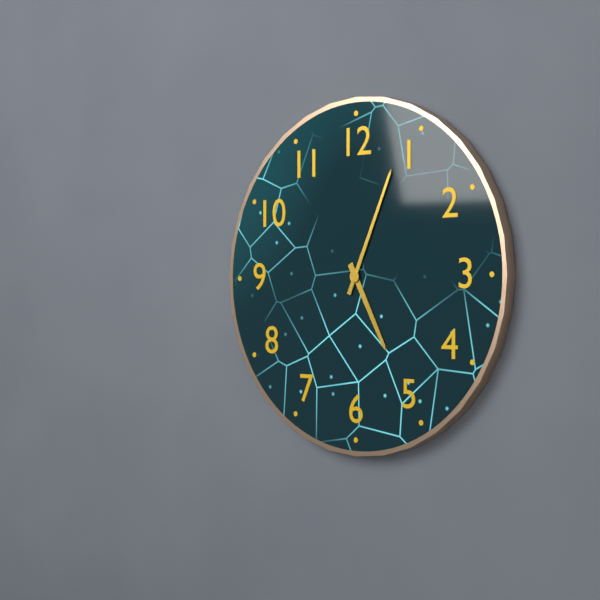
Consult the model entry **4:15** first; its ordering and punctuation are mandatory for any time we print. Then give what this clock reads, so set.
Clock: **5:04**
